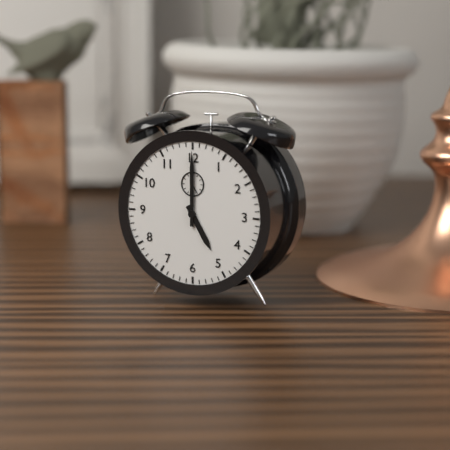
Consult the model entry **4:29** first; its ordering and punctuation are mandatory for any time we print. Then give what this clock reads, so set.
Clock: **5:00**
